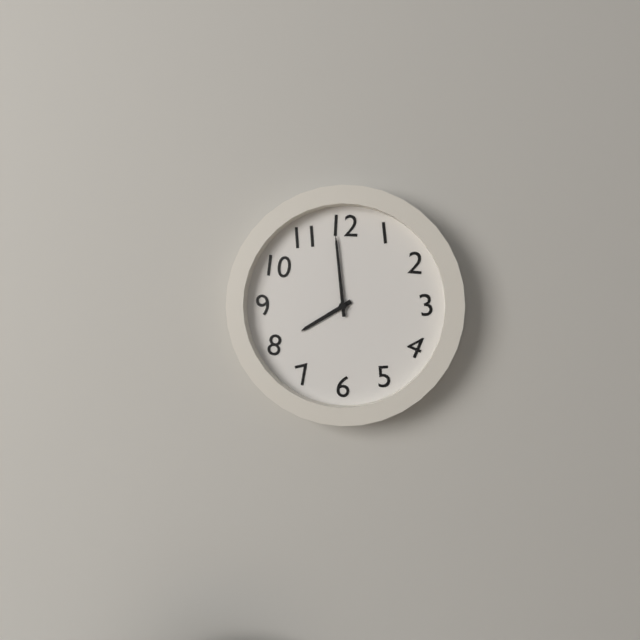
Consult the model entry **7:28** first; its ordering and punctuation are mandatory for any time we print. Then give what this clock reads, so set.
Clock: **7:59**
